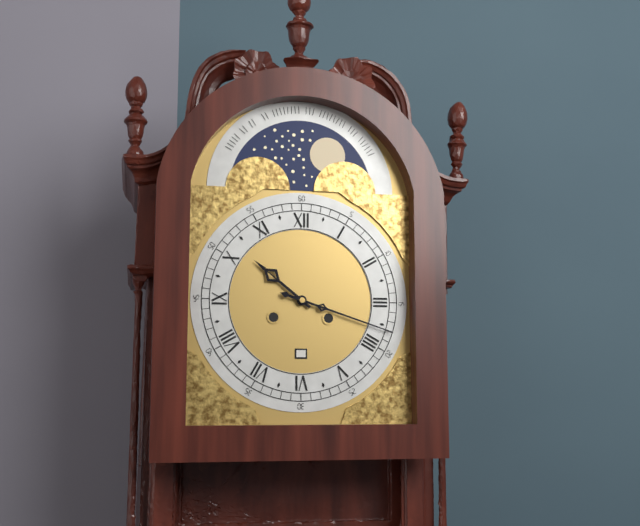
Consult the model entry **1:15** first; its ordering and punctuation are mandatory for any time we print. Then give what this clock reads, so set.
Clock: **10:18**
